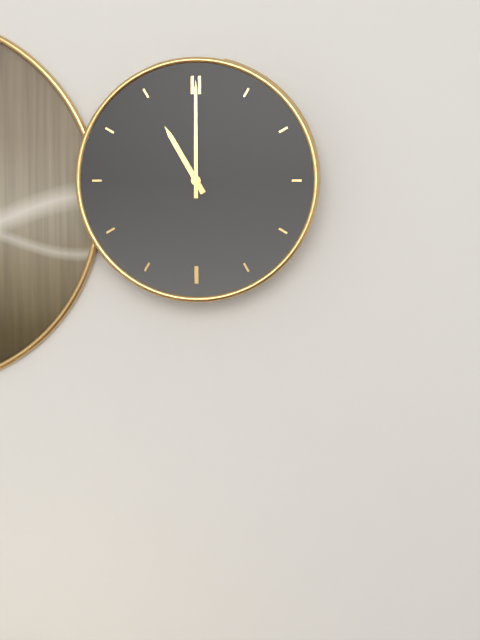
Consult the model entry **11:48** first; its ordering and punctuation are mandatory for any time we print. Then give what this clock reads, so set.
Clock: **11:00**
